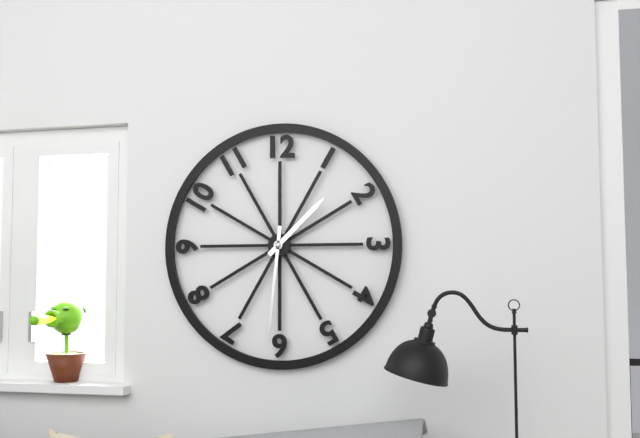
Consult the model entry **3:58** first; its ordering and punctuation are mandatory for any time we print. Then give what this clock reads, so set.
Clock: **1:31**
